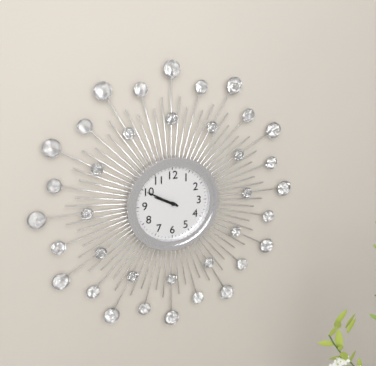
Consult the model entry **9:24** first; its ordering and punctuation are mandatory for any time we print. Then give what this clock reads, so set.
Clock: **9:50**
